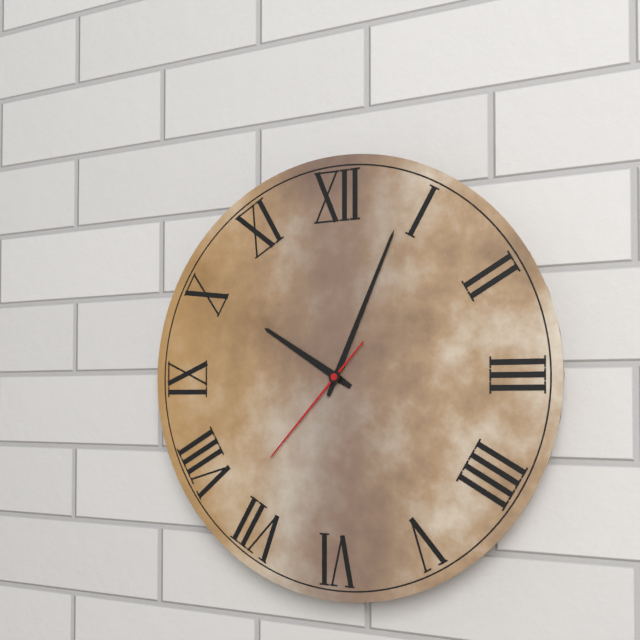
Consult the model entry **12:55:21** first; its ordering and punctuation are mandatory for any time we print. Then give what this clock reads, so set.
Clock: **10:04:37**
